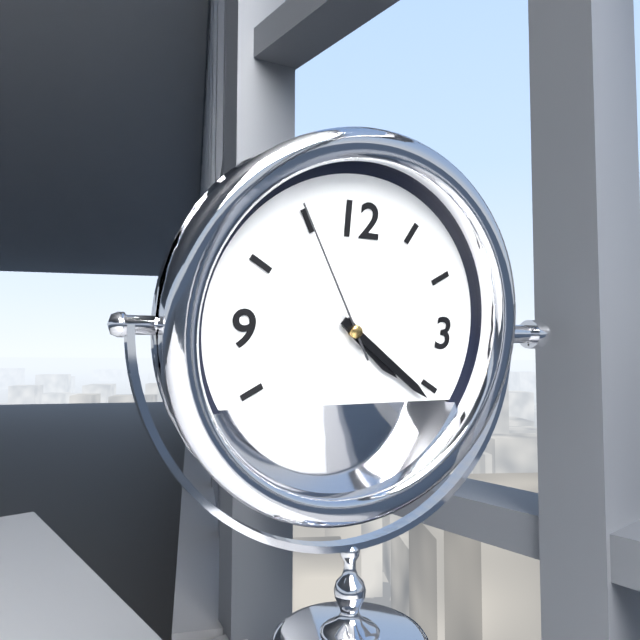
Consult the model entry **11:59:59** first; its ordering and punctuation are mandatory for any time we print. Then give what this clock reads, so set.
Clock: **4:21:55**
